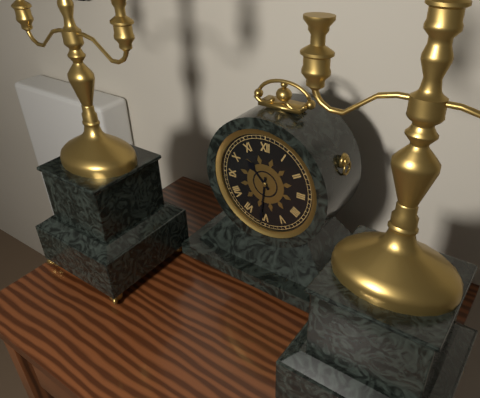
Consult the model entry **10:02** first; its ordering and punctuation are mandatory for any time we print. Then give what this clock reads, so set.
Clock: **10:31**
